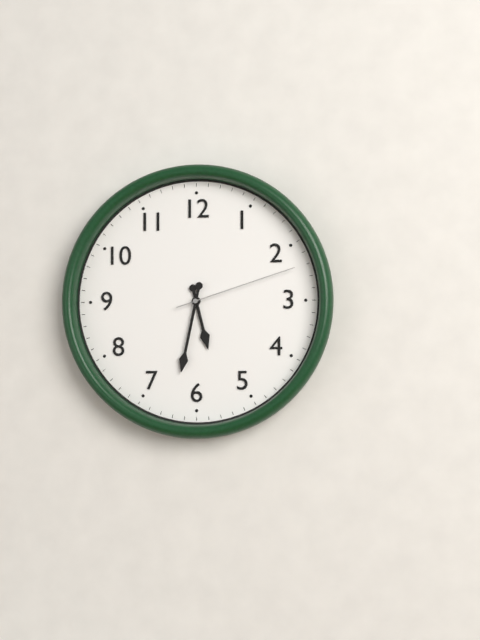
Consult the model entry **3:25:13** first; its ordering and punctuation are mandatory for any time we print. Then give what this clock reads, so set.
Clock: **5:32:12**
